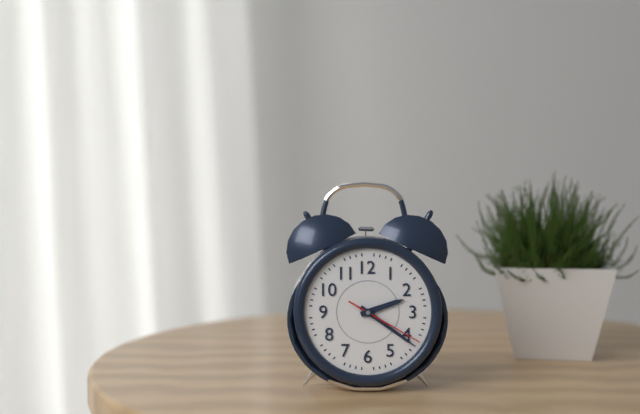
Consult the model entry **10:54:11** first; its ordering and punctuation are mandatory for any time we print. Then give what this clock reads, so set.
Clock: **2:21:20**
